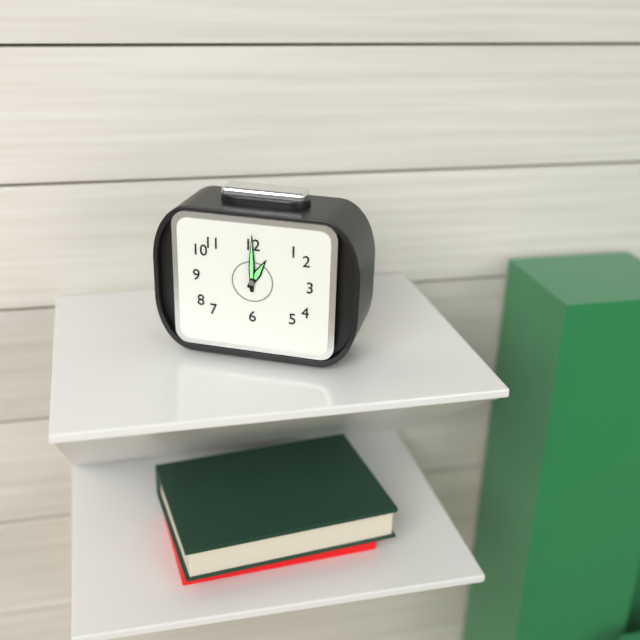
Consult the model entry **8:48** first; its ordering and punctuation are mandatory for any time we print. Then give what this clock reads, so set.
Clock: **1:00**
